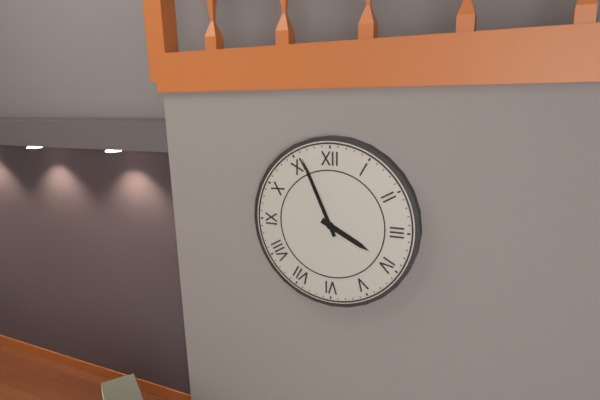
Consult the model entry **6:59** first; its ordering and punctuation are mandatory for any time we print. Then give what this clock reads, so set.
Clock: **3:56**
